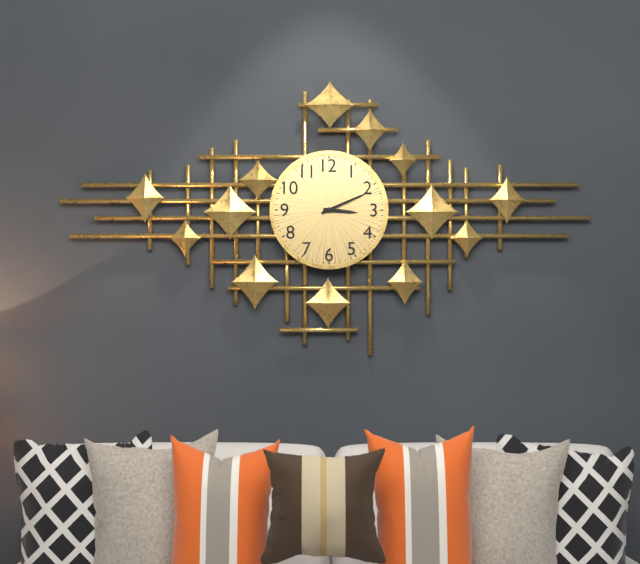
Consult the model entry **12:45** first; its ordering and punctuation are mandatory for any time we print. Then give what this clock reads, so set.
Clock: **3:11**
